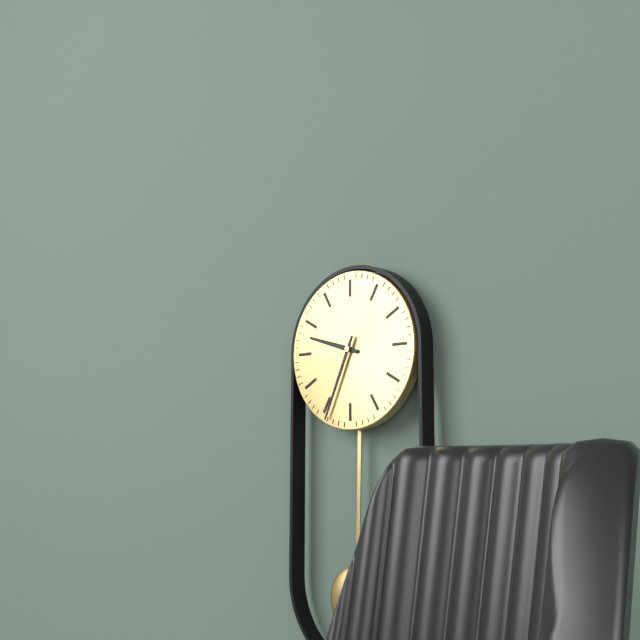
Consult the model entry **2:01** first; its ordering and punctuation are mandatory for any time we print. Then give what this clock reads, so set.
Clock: **9:34**
